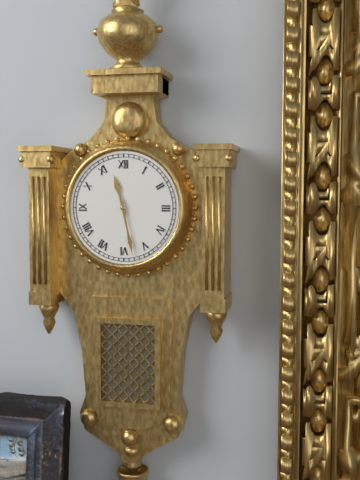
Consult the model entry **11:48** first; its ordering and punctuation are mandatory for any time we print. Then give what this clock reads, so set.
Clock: **11:28**
